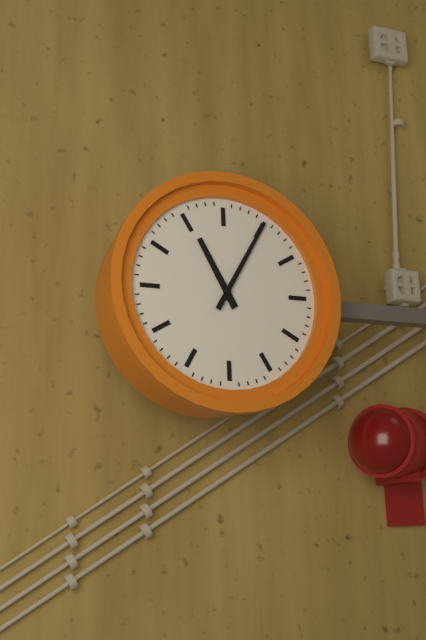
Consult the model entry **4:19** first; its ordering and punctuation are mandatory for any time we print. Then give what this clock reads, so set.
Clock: **11:05**
